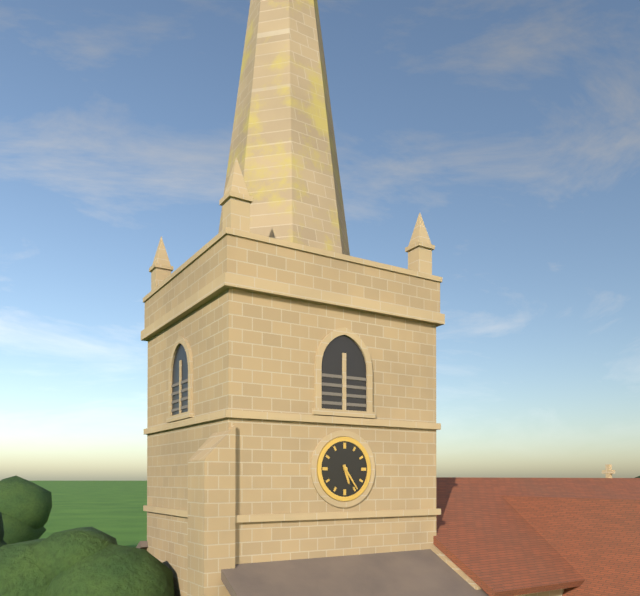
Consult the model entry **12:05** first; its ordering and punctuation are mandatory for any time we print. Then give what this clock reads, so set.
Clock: **5:24**
